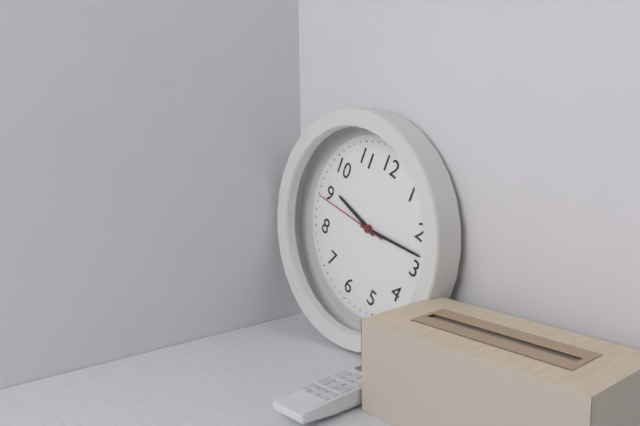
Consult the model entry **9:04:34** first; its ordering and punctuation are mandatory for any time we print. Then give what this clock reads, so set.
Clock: **9:13:44**
